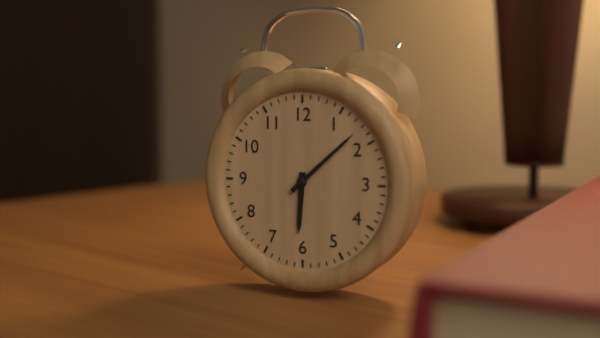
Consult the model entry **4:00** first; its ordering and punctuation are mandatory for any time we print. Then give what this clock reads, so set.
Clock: **6:08**
